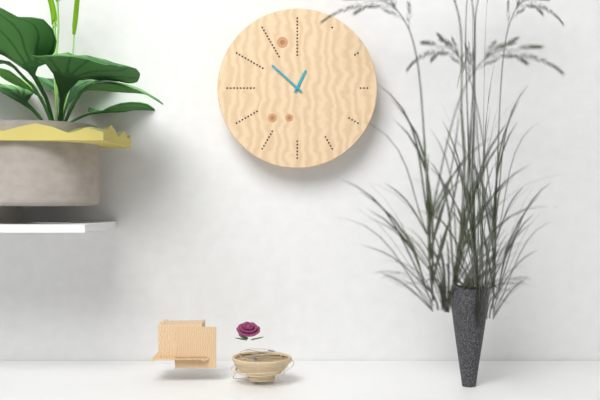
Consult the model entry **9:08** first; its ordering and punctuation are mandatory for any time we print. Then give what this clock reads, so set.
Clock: **12:52**
